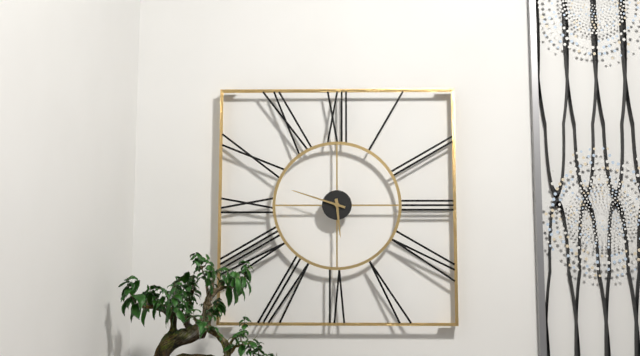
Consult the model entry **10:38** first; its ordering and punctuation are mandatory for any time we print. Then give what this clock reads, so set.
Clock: **5:48**
